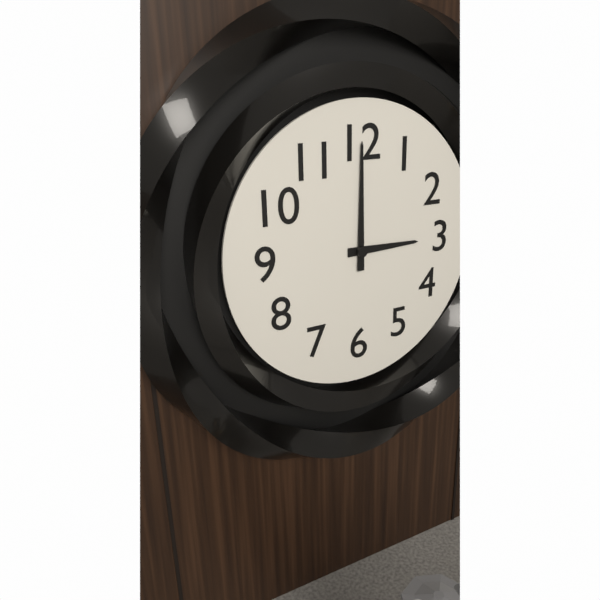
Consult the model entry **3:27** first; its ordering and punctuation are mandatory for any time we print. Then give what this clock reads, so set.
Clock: **3:00**
